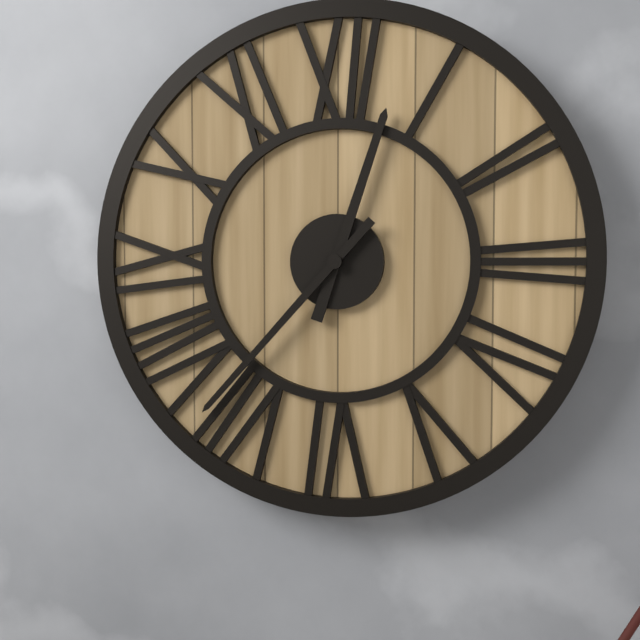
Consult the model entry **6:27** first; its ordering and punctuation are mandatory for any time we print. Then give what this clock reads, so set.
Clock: **12:37**
